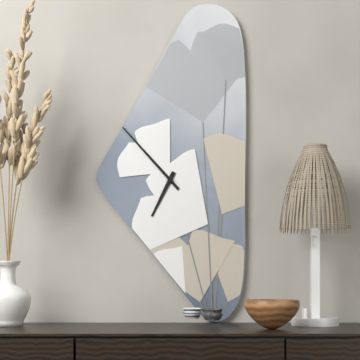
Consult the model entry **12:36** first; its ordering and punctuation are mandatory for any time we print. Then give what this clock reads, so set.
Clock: **6:53**
